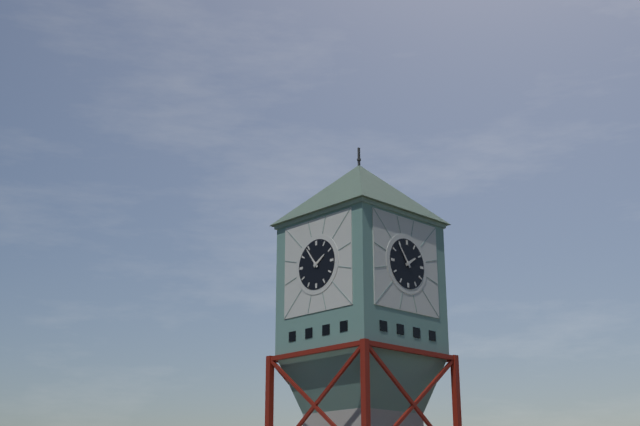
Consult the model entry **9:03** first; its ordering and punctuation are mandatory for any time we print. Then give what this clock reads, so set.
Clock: **1:54**
